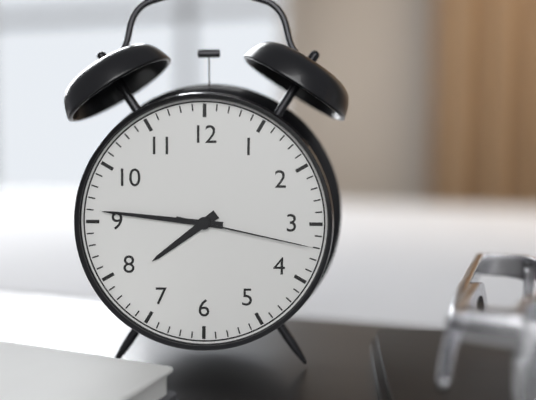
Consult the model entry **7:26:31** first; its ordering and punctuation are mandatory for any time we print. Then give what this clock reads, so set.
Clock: **7:46:17**
